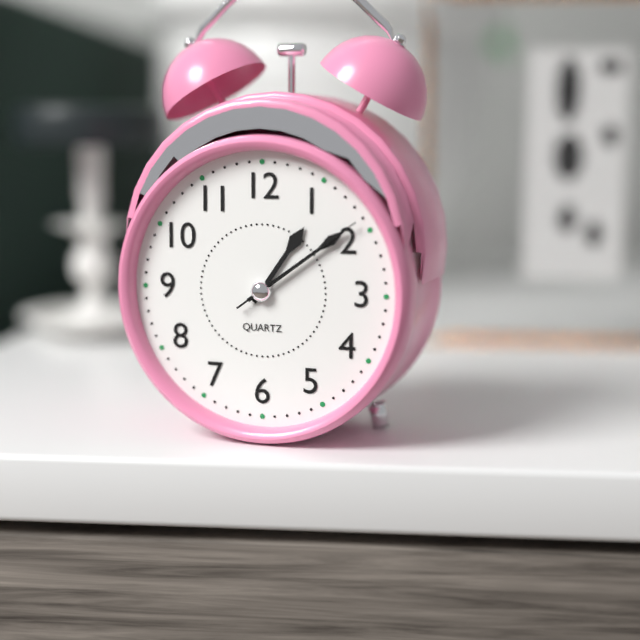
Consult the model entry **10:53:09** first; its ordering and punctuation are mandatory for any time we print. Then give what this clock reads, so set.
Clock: **1:09:09**
